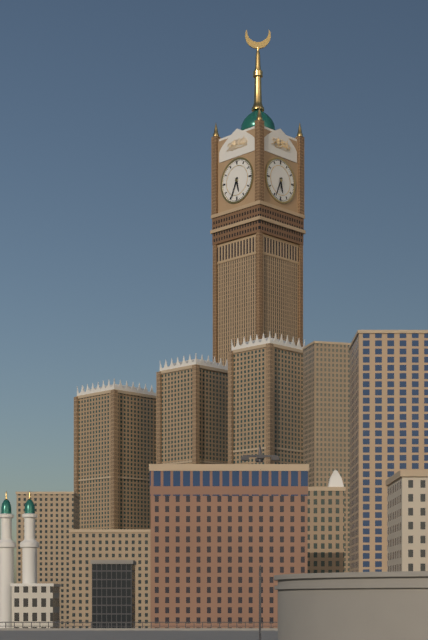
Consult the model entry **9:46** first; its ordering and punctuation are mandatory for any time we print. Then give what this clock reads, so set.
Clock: **5:34**
